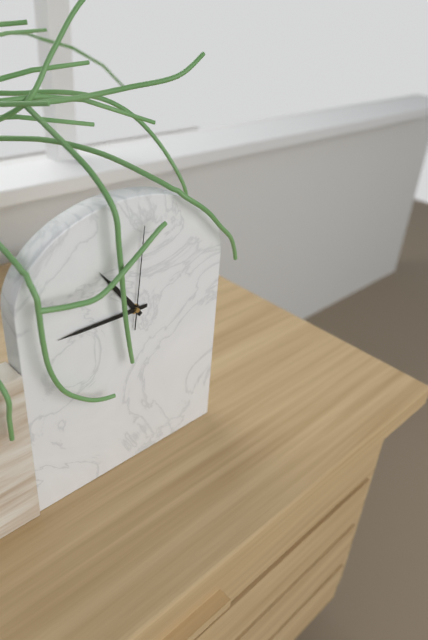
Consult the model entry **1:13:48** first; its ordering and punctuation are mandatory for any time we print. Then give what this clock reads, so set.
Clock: **10:45:01**
